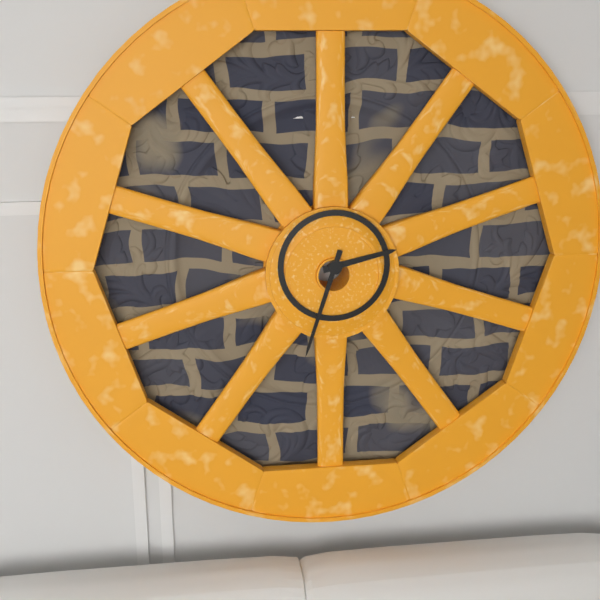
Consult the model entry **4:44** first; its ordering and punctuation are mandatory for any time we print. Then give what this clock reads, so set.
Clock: **2:33**
